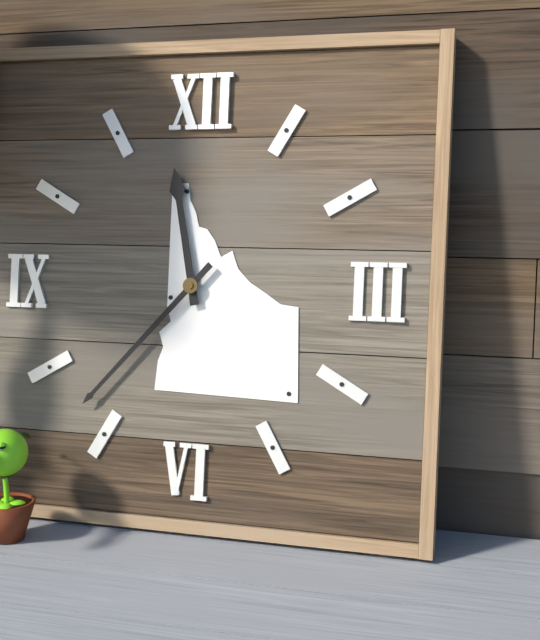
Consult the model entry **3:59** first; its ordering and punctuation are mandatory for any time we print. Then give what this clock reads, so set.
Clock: **11:37**
